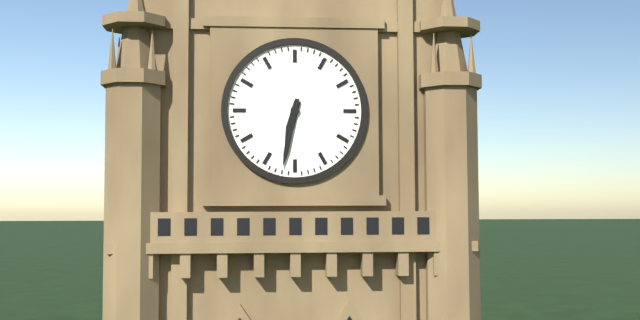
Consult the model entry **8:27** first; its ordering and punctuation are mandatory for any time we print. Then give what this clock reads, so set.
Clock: **6:32**
